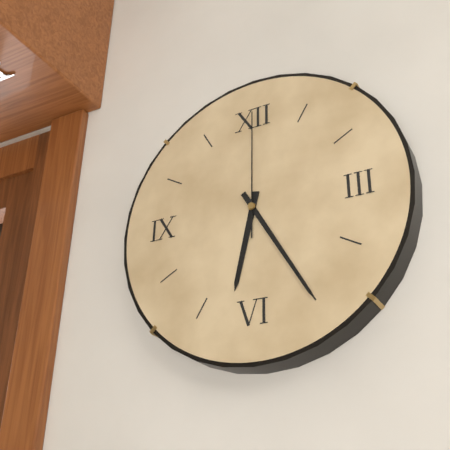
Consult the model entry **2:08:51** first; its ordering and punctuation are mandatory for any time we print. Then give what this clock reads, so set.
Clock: **6:25:00**
